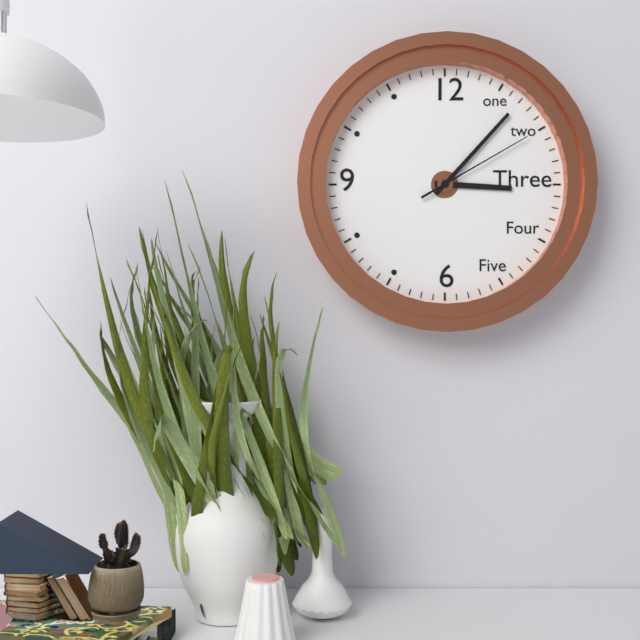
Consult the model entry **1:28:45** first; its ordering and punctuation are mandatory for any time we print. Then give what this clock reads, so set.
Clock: **3:07:10**
